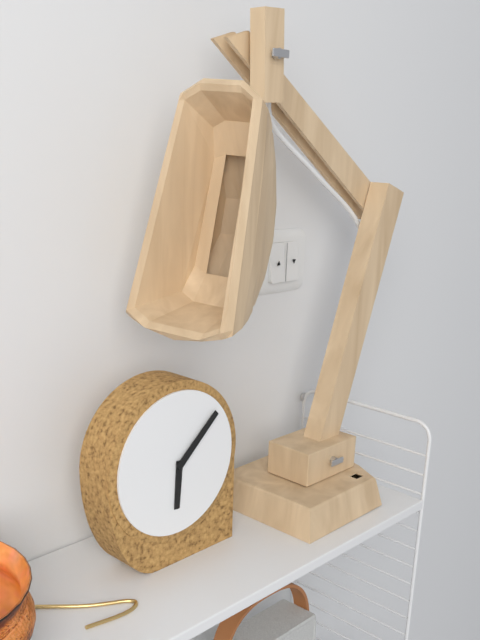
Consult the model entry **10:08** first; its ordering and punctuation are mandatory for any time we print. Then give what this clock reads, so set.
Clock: **6:08**
